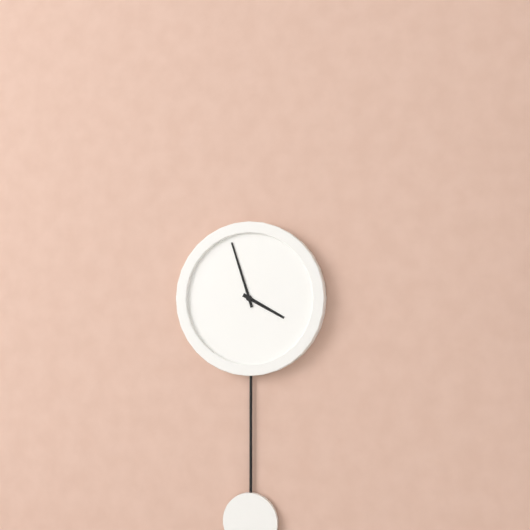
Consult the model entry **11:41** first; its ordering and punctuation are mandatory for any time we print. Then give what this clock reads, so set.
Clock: **3:57**
